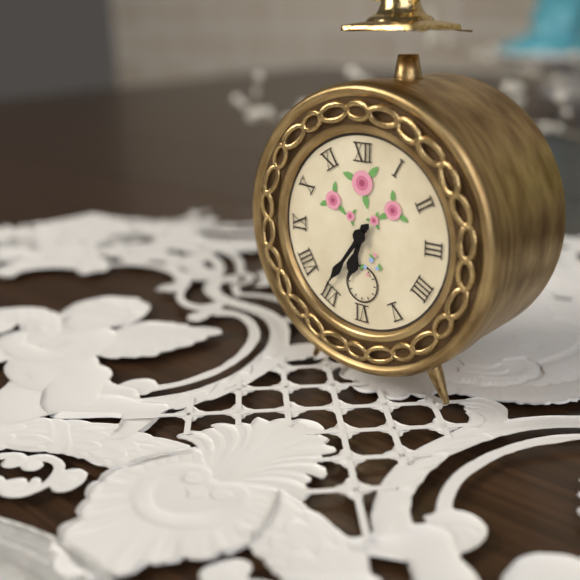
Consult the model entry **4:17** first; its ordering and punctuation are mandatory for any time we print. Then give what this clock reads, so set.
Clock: **6:36**
